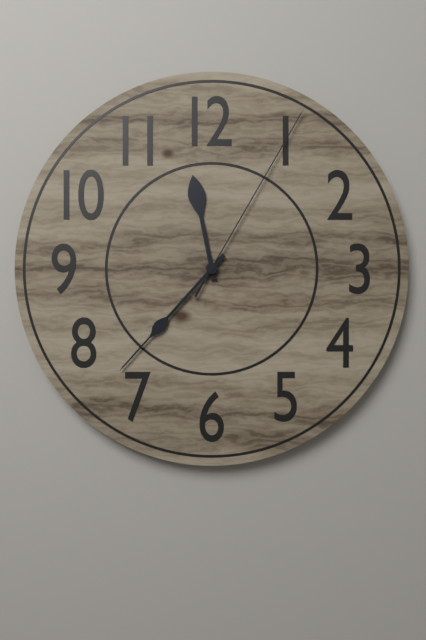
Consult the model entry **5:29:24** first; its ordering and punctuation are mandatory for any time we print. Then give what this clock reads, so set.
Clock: **11:37:05**
